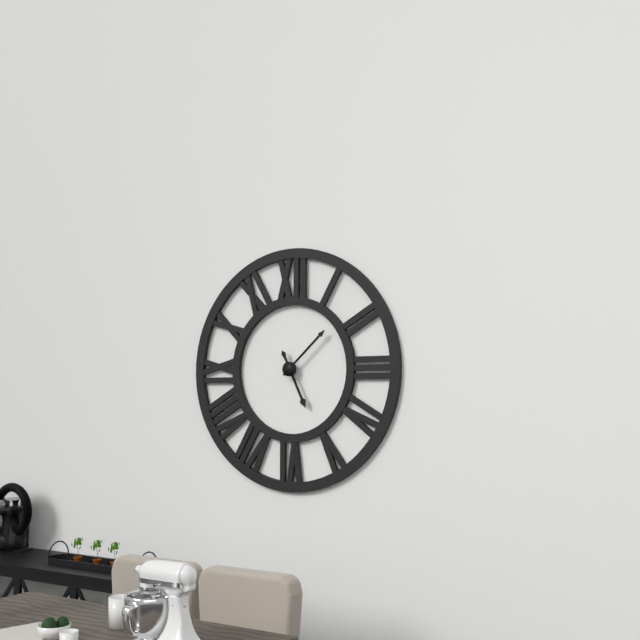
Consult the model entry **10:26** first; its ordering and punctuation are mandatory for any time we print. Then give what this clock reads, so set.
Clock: **5:08**
